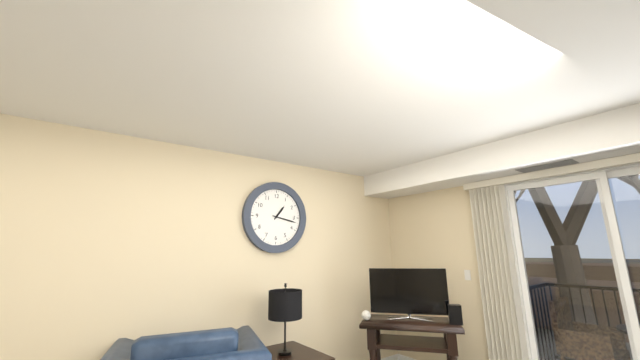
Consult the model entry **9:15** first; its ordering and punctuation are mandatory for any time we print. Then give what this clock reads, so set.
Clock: **1:17**
